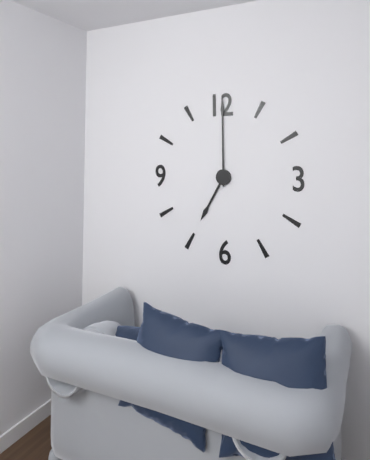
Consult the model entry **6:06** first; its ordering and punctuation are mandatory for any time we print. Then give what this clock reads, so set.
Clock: **7:00**
